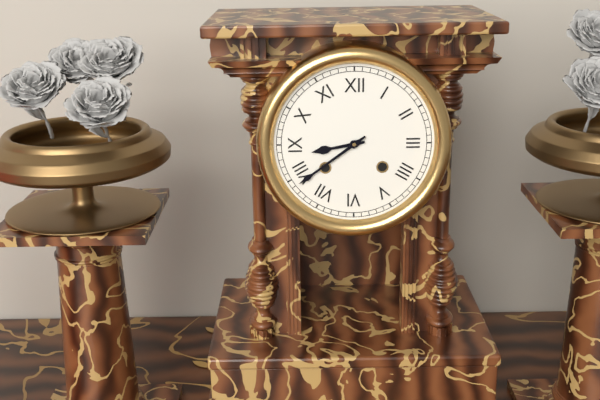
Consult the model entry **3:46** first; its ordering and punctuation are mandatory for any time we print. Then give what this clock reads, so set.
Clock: **8:39**
